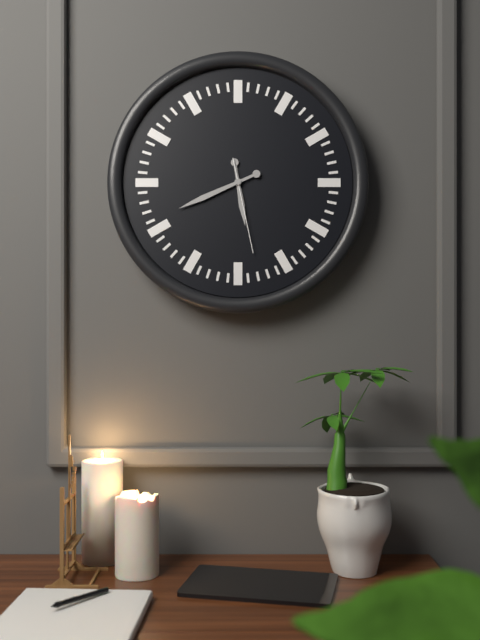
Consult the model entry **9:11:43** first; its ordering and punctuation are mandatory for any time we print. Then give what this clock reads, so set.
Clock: **5:41:28**
